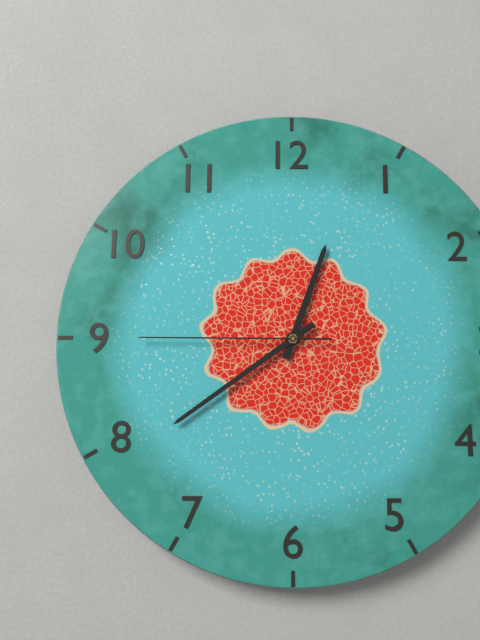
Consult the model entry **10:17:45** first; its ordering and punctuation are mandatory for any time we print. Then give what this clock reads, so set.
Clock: **12:39:45**
